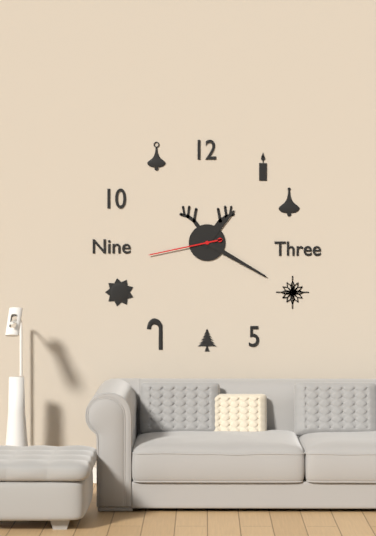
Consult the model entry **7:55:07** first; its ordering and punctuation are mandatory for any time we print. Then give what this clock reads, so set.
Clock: **1:20:43**
